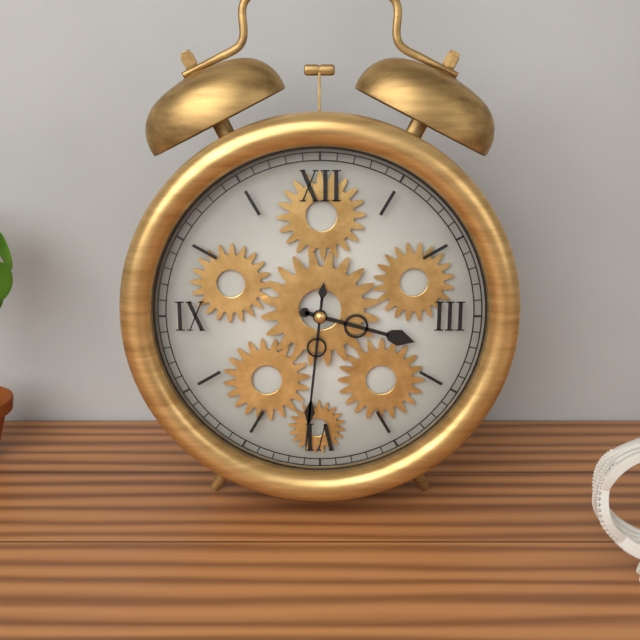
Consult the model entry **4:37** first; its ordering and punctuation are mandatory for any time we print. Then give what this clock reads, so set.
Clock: **3:31**
